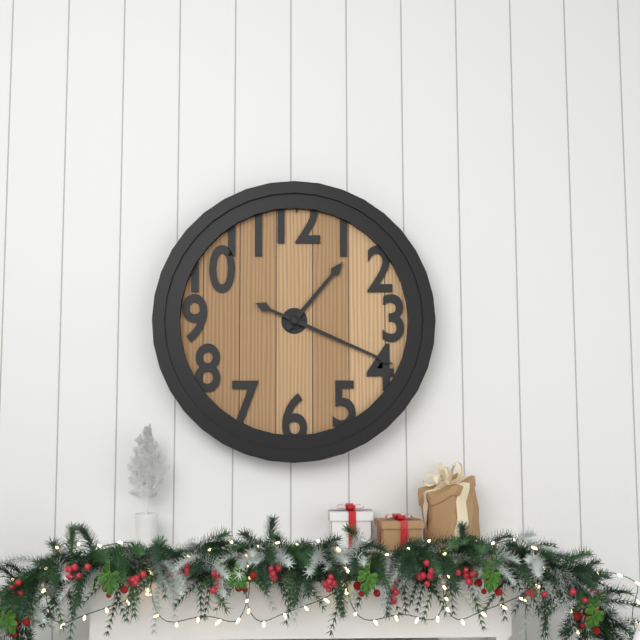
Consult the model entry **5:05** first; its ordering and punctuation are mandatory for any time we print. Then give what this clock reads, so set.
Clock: **1:19**
